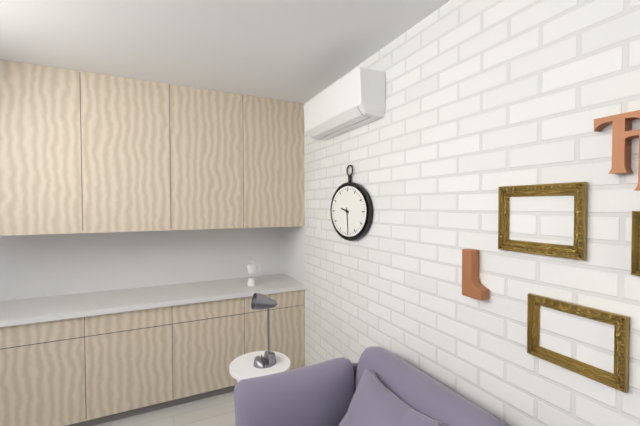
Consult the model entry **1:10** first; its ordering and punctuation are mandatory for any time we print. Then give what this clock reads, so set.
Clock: **9:29**
